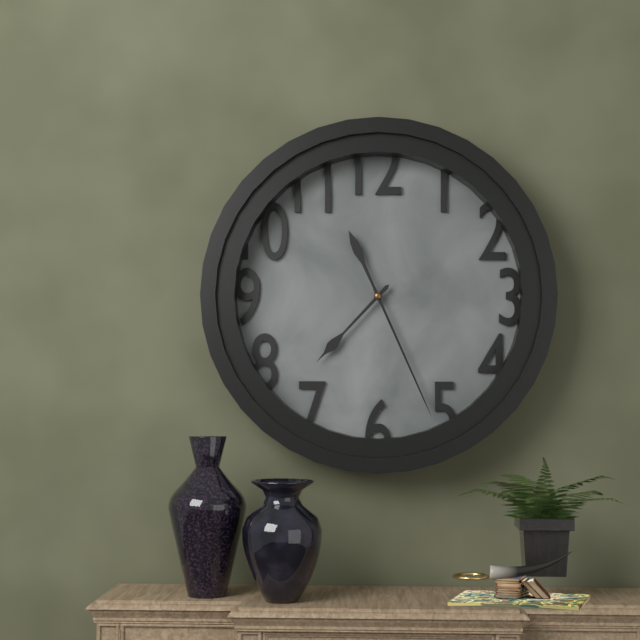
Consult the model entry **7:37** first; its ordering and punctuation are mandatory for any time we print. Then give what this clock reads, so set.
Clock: **7:26**
